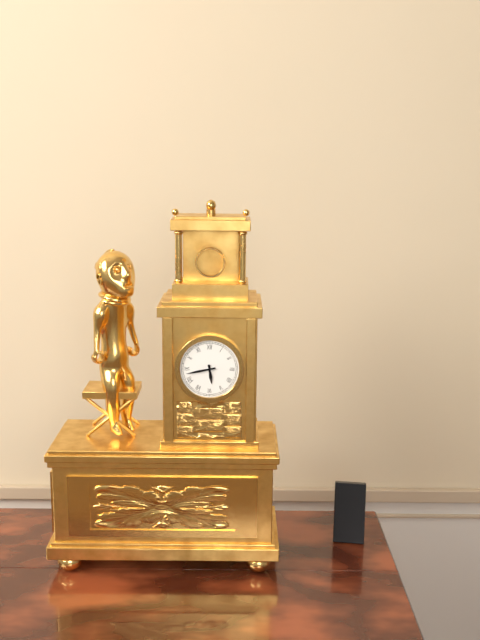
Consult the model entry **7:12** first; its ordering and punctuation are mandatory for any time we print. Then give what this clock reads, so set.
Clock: **5:43**
